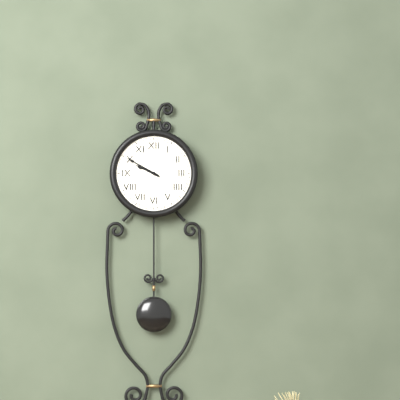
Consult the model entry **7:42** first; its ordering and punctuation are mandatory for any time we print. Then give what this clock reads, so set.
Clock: **9:50**
